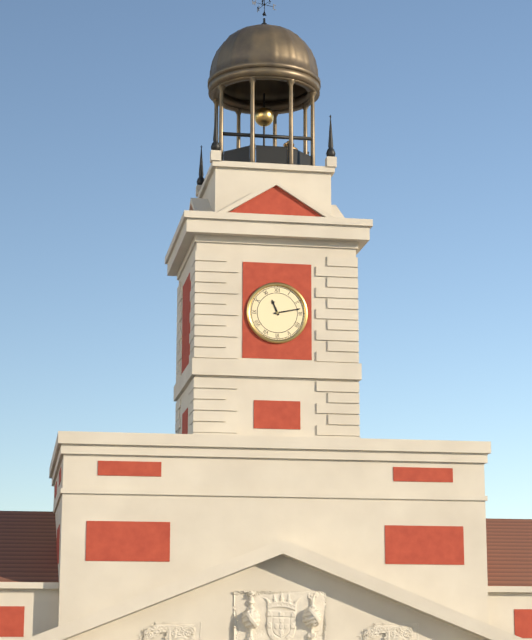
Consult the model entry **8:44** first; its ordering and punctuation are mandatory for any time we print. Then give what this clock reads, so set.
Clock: **11:13**
